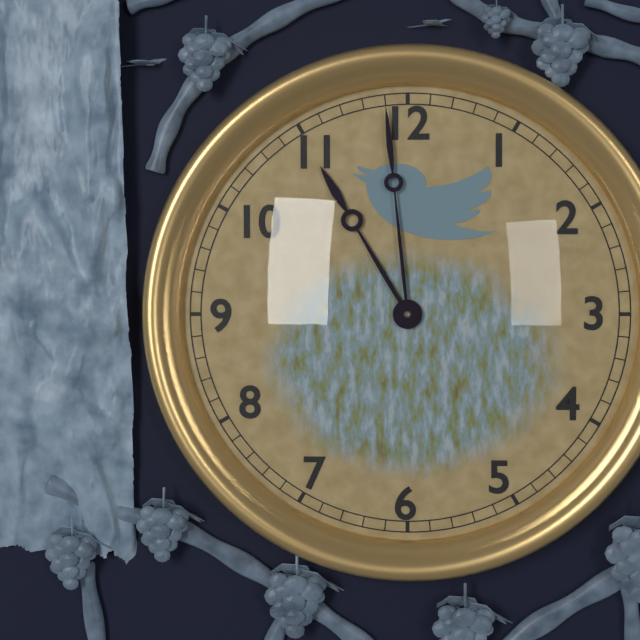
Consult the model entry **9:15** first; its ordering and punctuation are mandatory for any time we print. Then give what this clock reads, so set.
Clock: **10:59**
